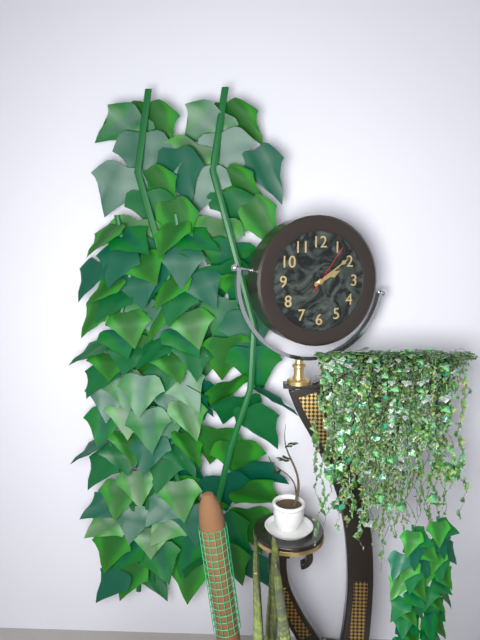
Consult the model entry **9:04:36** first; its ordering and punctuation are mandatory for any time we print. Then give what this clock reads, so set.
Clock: **2:09:06**
